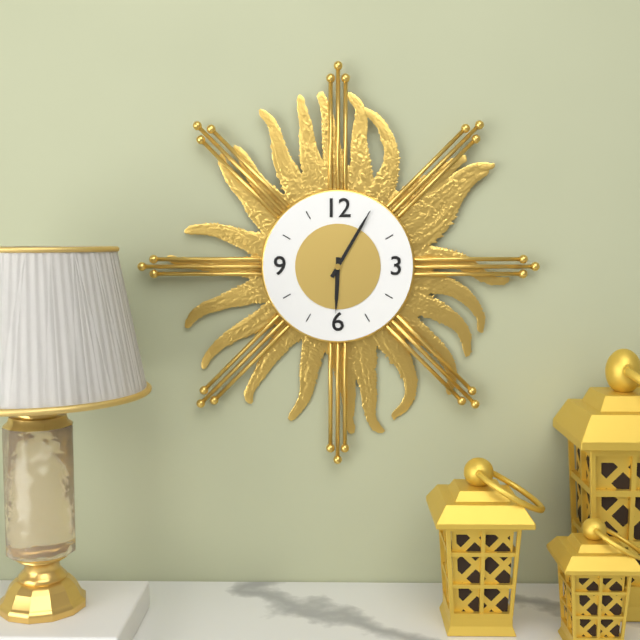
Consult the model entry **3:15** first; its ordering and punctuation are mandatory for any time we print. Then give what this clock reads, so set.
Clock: **6:05**
